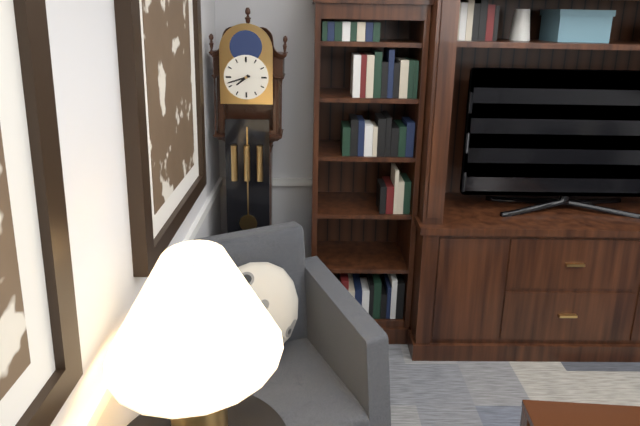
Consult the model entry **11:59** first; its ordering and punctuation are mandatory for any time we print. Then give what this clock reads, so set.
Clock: **7:42**
